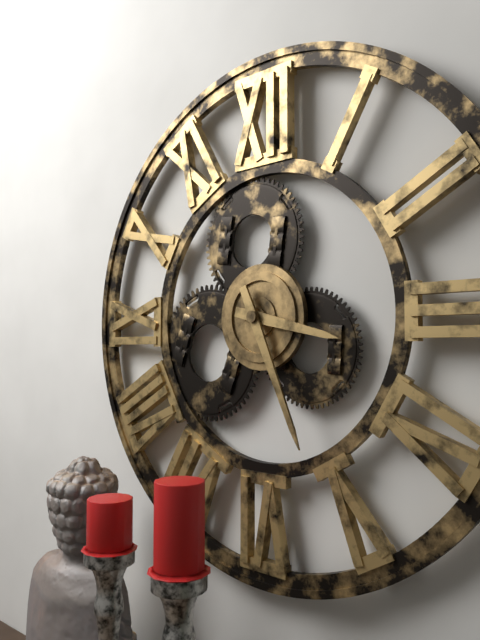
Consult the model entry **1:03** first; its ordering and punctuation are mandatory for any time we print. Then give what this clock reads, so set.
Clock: **3:26**
